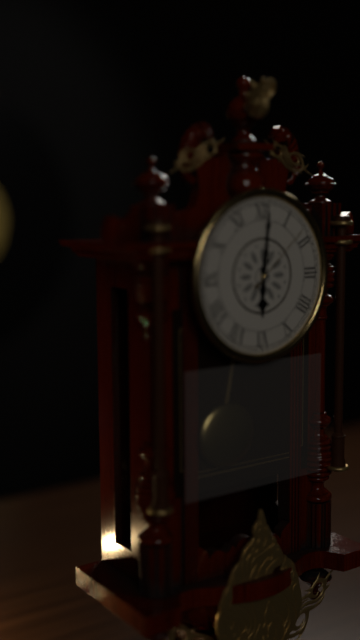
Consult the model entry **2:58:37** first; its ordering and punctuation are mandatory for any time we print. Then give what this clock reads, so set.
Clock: **6:01:08**
